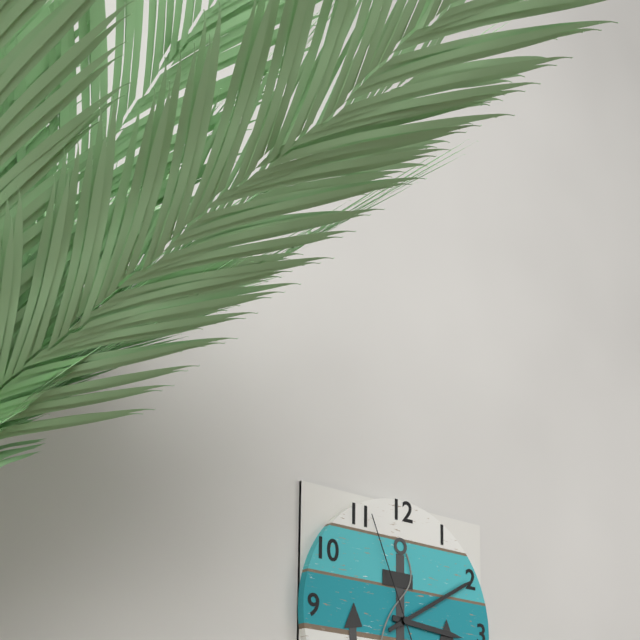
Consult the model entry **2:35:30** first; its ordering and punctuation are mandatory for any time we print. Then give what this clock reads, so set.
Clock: **3:10:56**
